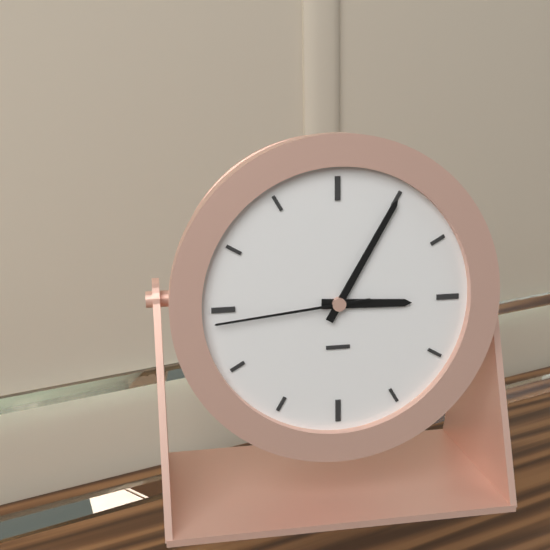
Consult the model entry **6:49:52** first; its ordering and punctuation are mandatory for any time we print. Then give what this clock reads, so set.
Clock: **3:05:44**
